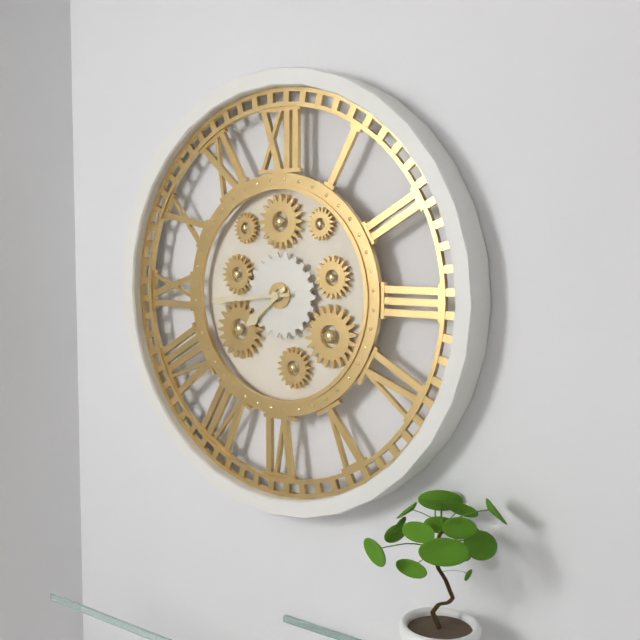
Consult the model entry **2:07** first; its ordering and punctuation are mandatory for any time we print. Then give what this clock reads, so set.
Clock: **7:44**
